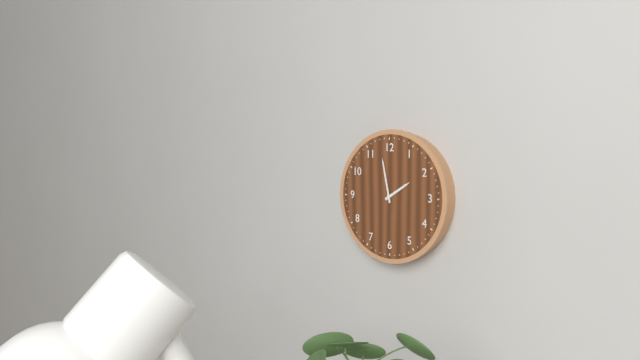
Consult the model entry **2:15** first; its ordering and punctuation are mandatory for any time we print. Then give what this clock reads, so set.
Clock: **1:58**
